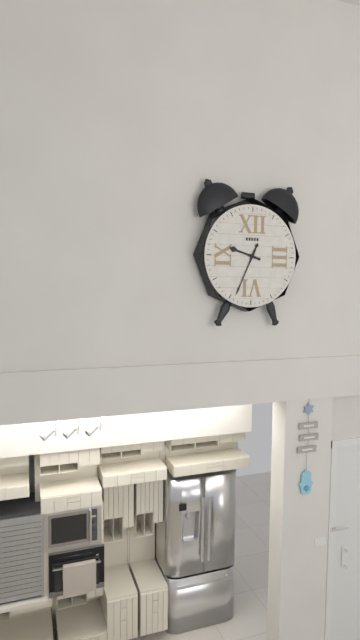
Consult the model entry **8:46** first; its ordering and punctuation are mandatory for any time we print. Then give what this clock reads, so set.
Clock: **9:34**
